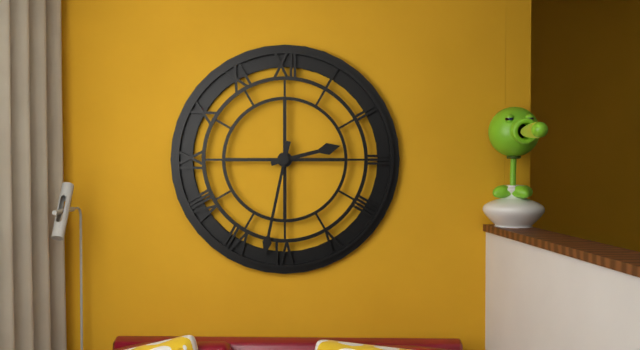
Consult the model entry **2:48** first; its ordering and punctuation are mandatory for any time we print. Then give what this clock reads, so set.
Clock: **2:32**
